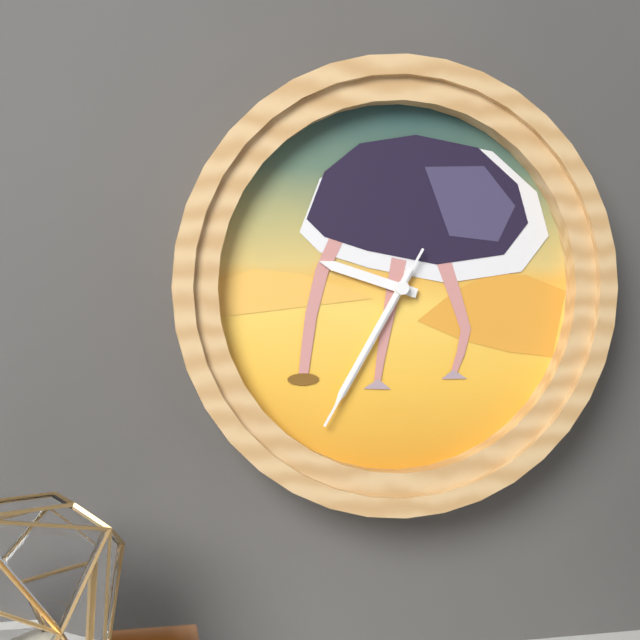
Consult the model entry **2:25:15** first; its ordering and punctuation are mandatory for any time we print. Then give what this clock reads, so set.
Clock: **9:35:35**
